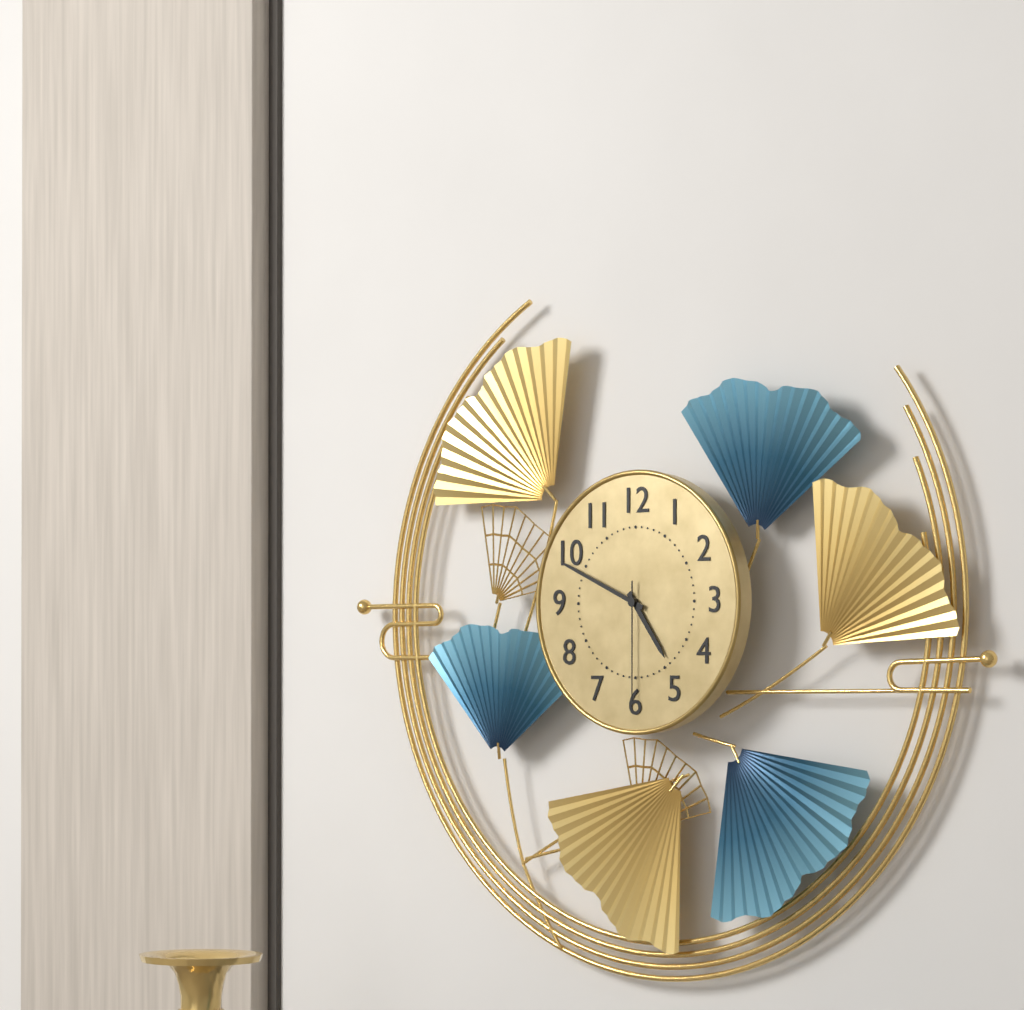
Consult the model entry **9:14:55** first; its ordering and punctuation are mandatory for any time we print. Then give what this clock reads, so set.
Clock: **4:49:30**
